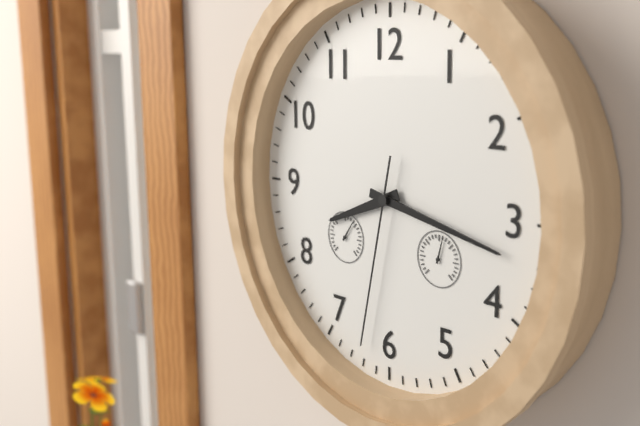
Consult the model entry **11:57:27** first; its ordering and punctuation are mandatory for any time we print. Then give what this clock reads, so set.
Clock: **8:17:32**
